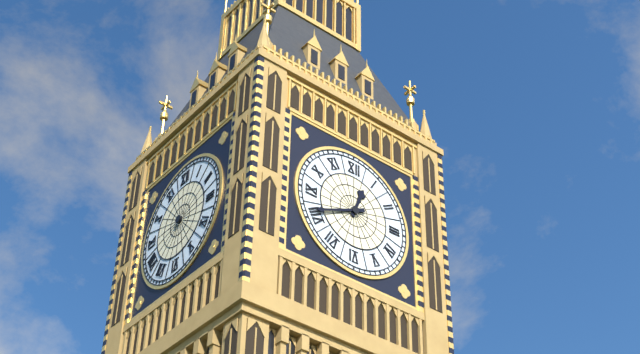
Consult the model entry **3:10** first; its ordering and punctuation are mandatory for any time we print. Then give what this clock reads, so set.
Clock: **12:41**
